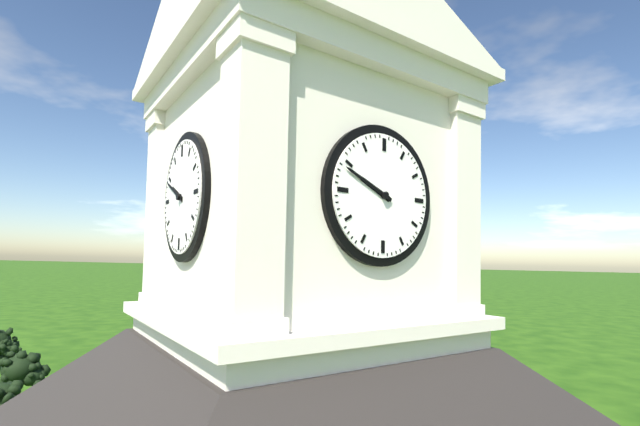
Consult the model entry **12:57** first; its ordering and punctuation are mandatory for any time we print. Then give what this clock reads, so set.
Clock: **9:49**
